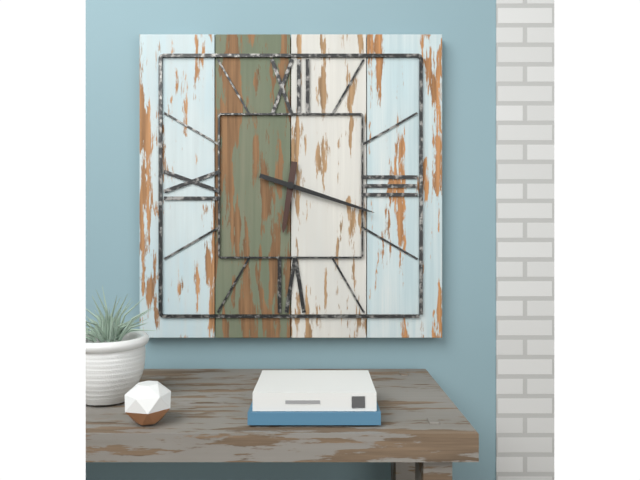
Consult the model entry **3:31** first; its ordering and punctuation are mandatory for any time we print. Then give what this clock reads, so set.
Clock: **6:18**
